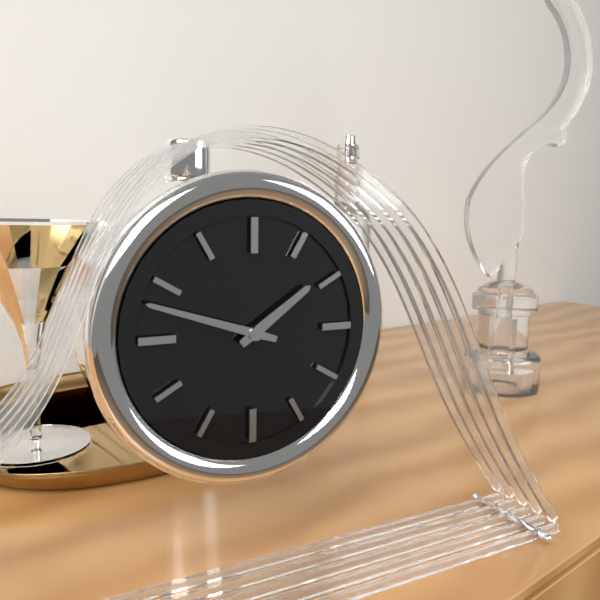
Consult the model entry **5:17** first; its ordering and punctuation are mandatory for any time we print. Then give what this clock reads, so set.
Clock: **1:48**
